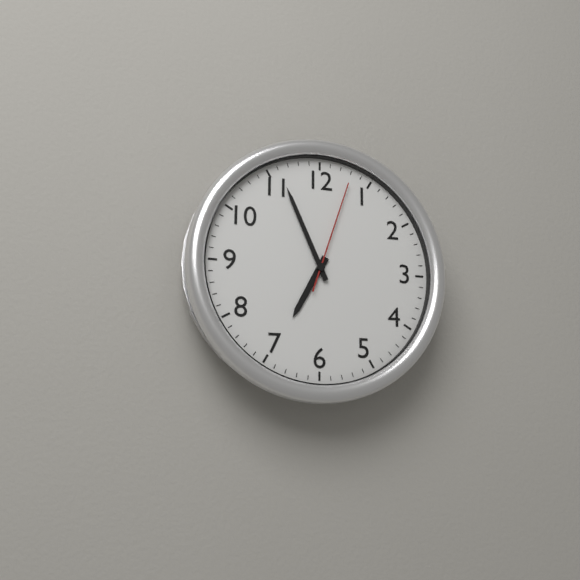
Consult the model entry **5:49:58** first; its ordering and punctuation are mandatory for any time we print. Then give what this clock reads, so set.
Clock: **6:56:03**
